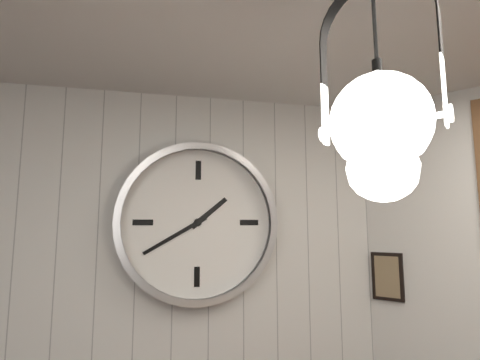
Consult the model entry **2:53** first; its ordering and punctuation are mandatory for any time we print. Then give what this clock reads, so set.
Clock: **1:40**
